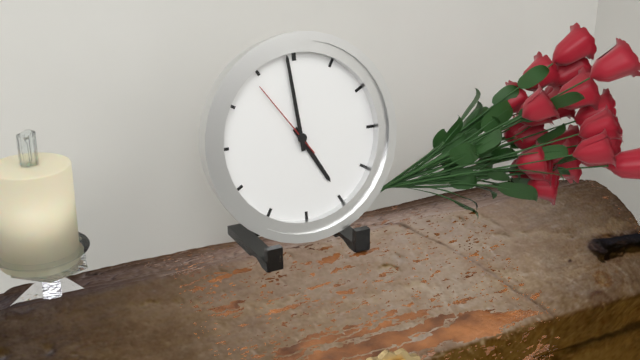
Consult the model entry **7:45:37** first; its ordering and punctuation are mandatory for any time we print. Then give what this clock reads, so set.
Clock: **4:59:54**
